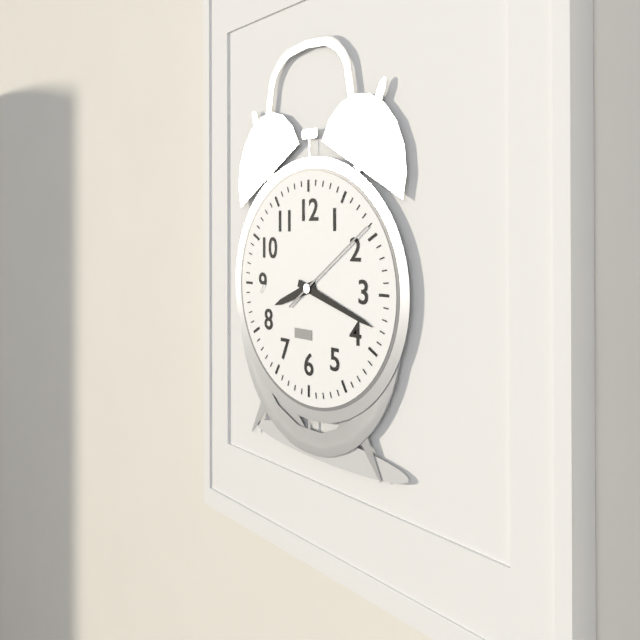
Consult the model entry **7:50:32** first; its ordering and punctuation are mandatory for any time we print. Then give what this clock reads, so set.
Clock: **8:18:09**
